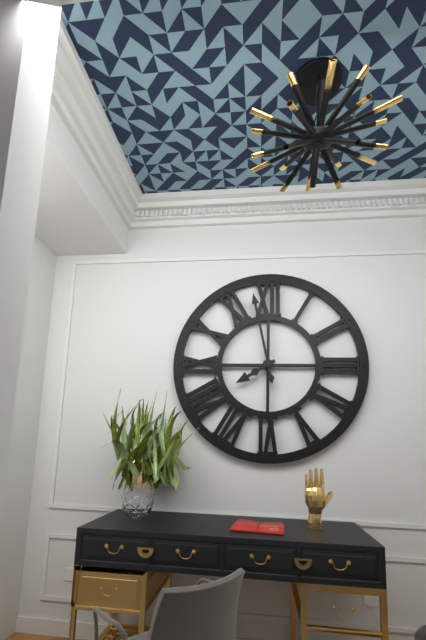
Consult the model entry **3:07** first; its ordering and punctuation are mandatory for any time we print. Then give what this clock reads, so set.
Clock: **7:58**
